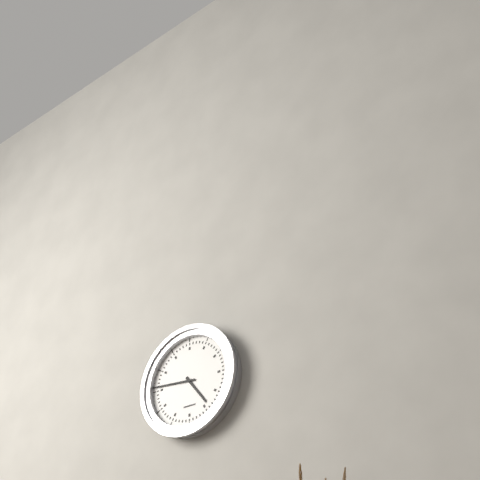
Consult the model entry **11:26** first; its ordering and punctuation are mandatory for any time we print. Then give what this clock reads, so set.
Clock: **4:46**
